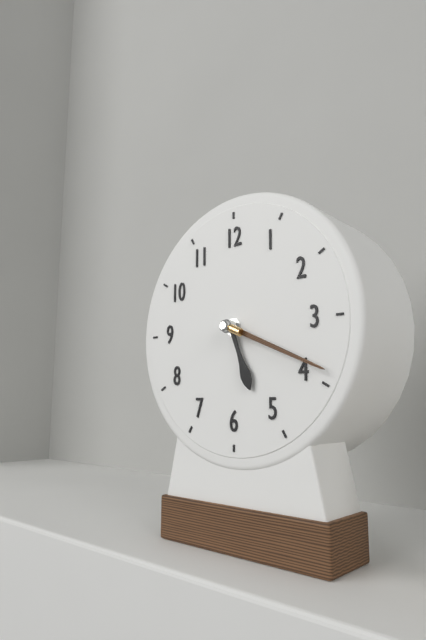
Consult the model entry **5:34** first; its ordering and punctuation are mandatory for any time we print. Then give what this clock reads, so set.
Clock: **5:19**
